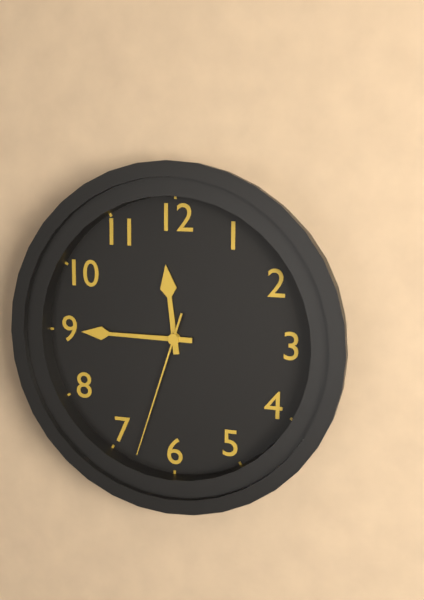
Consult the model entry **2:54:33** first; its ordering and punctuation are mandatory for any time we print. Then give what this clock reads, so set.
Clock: **11:45:33**
